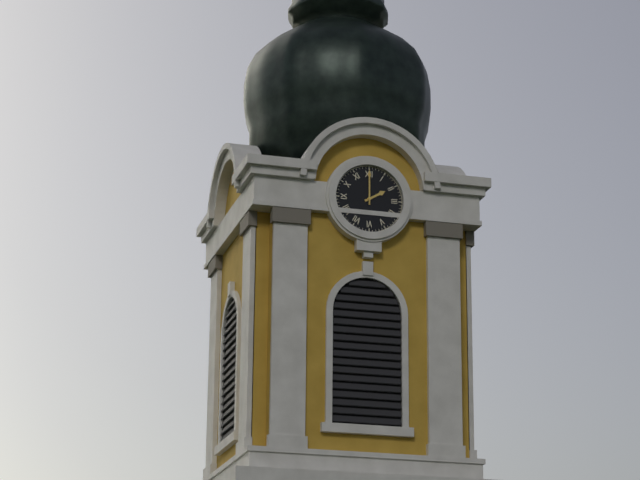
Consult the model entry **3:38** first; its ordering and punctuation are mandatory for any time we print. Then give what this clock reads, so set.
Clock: **2:00**
